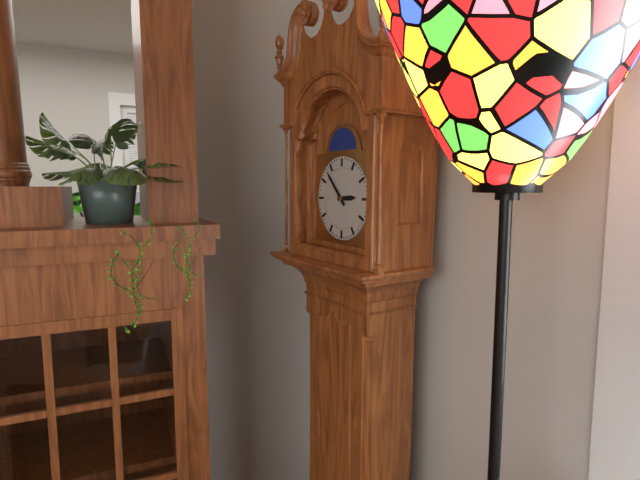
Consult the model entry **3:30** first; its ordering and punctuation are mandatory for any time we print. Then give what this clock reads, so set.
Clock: **2:53**
